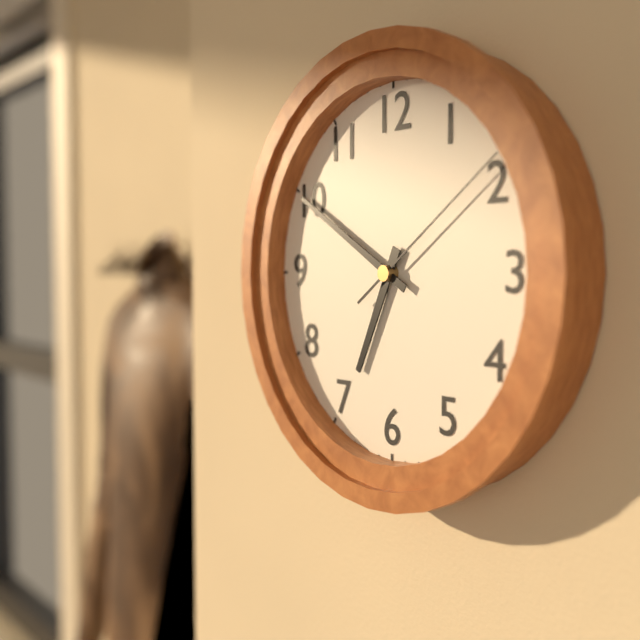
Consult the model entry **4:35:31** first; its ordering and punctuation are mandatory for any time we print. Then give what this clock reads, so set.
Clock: **6:50:09**
